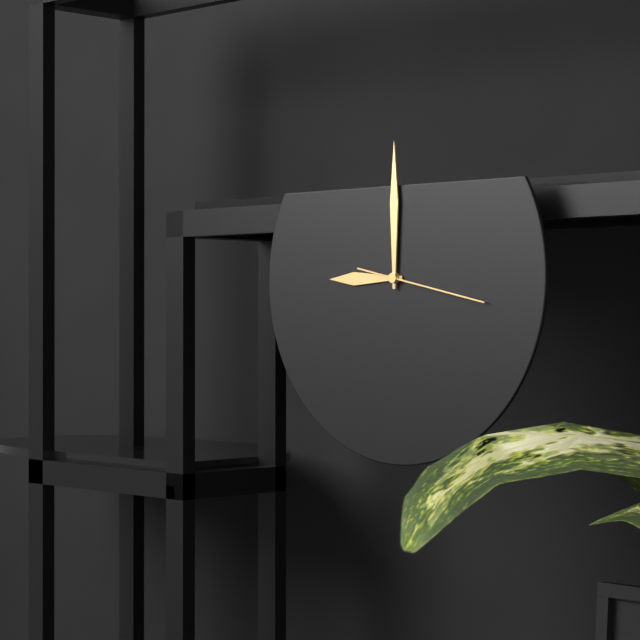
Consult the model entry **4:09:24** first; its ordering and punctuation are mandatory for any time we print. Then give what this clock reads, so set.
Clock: **9:00:17**
